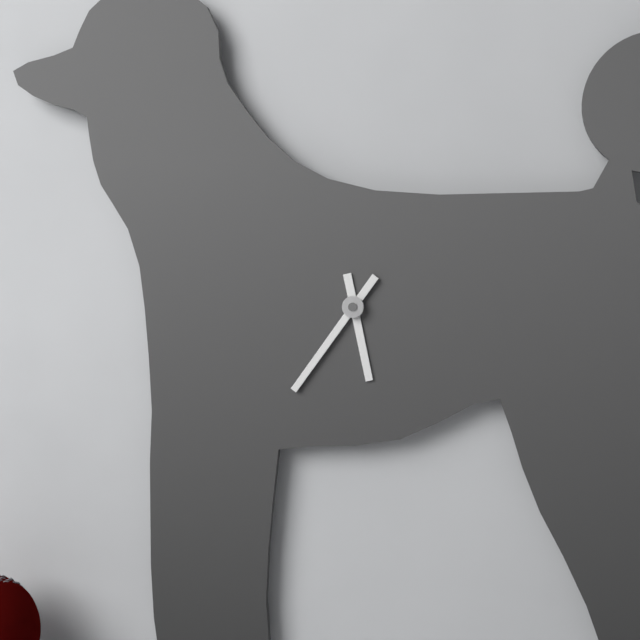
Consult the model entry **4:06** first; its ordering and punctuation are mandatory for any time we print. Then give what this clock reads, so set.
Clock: **5:36**
